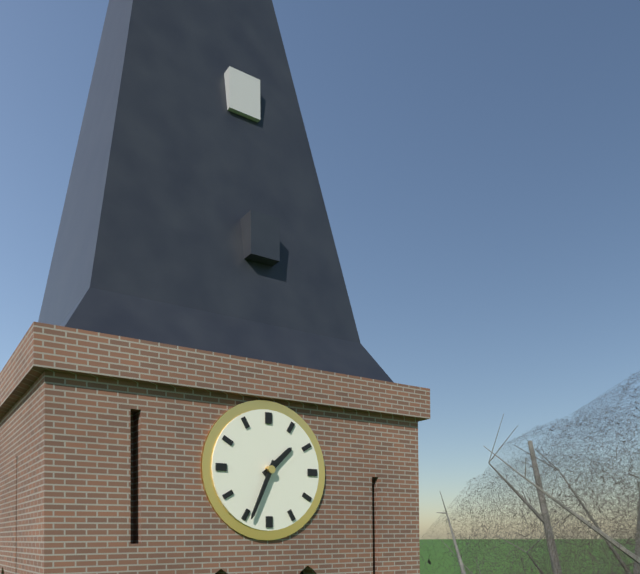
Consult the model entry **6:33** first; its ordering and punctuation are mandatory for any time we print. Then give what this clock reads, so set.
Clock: **1:34**
